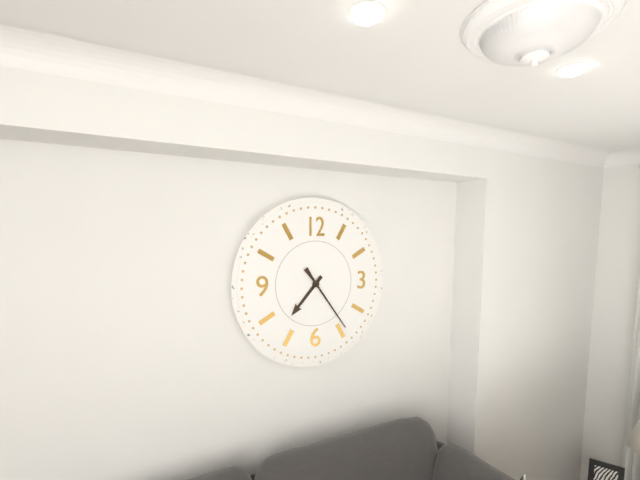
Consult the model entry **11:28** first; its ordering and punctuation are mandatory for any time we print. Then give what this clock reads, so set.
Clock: **7:24**
